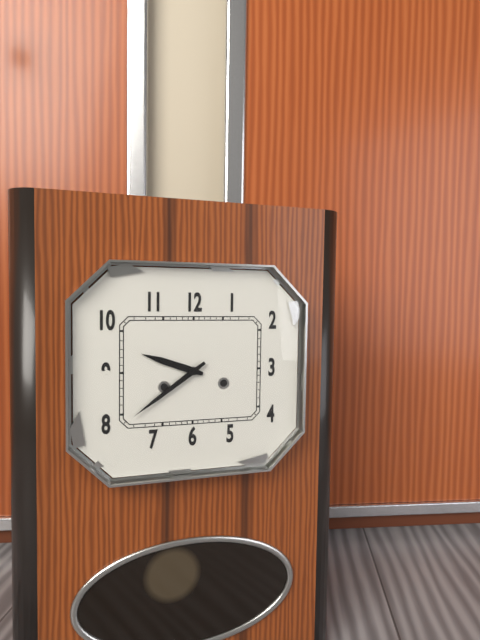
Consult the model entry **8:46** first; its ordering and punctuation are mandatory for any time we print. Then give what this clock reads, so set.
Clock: **9:39**
